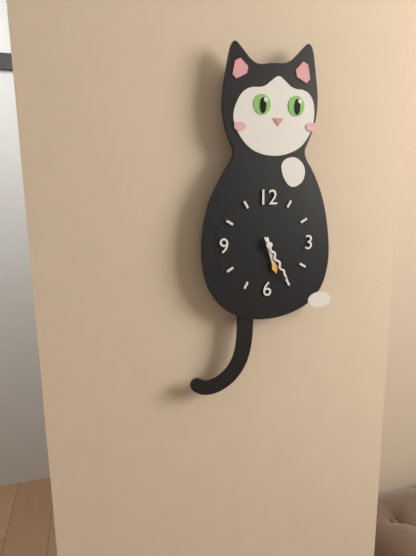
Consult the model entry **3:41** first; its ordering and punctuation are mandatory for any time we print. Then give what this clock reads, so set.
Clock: **5:25**
